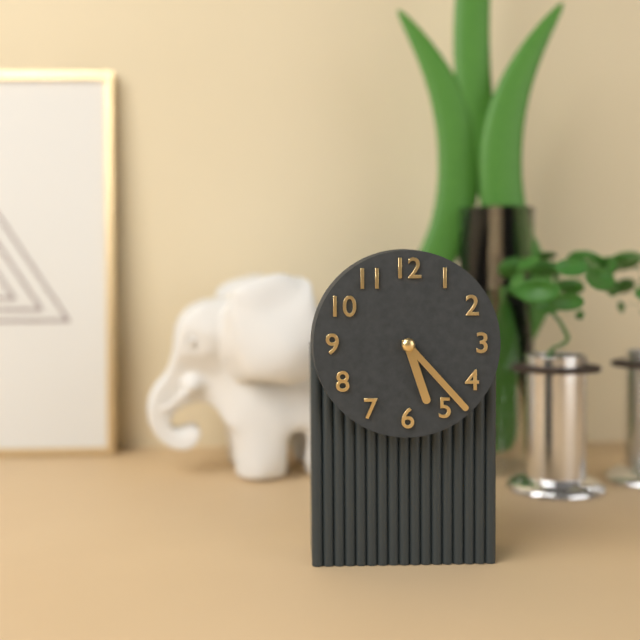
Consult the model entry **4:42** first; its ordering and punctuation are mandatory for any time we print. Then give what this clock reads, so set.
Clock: **5:23**
